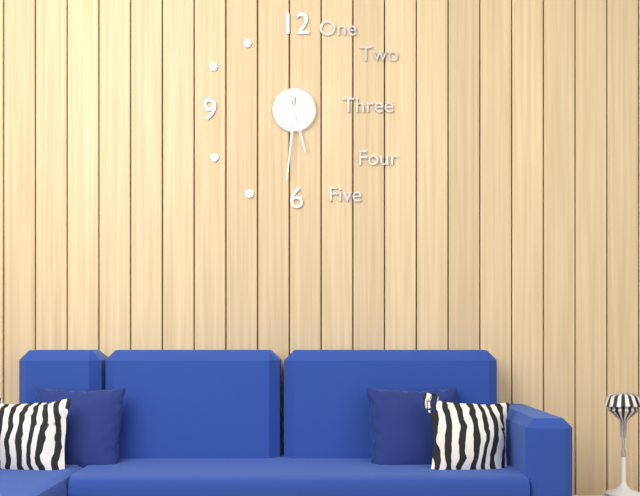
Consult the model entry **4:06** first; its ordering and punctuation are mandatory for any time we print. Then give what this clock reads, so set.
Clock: **5:31**
